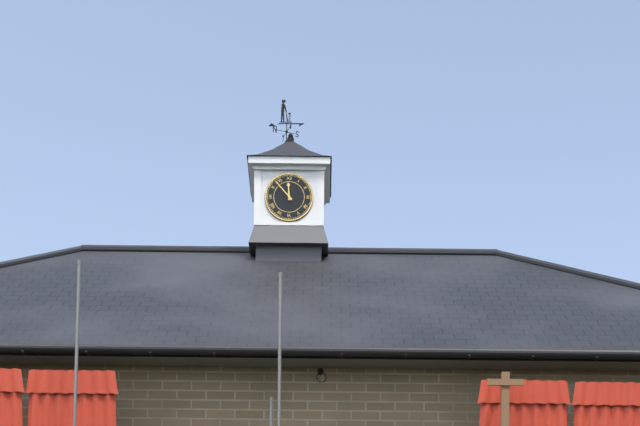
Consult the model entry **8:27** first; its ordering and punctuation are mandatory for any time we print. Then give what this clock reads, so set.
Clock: **11:53**
